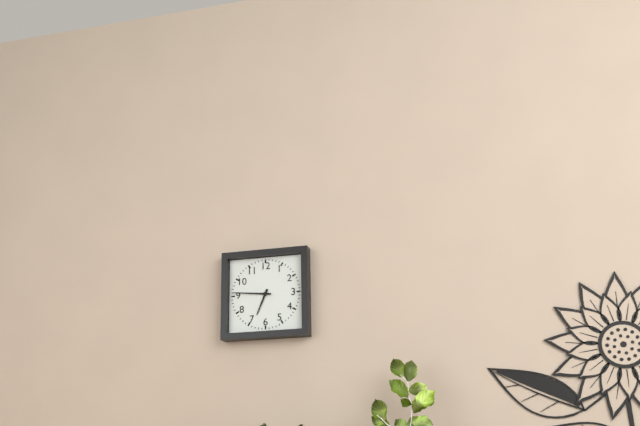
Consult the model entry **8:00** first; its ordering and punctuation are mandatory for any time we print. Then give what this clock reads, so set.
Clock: **6:46**
